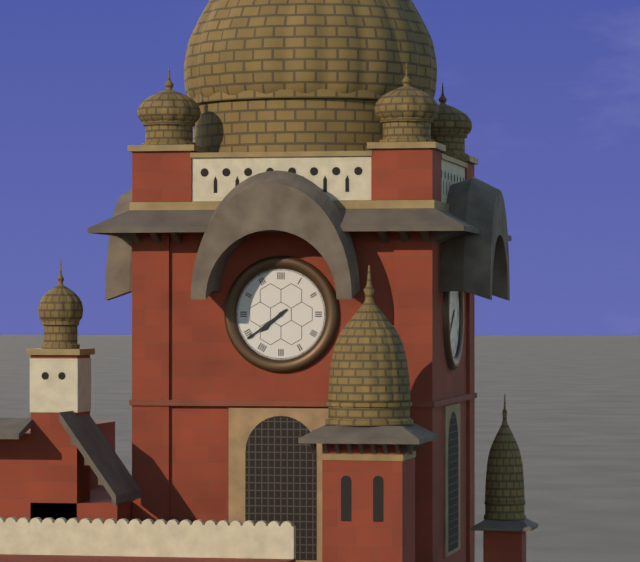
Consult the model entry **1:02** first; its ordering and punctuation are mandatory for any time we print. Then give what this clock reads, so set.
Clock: **7:39**
